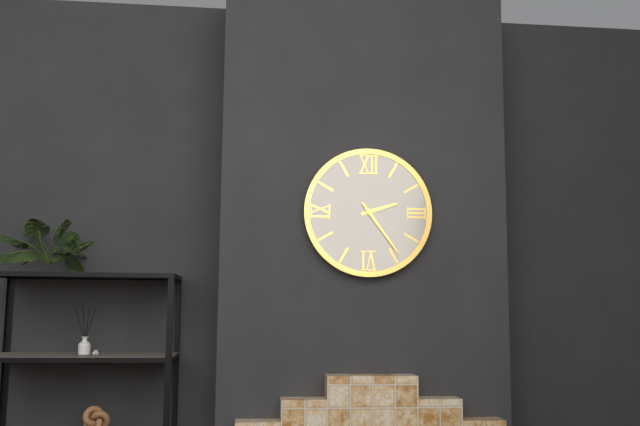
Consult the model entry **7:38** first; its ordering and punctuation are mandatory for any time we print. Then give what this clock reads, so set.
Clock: **2:24**
